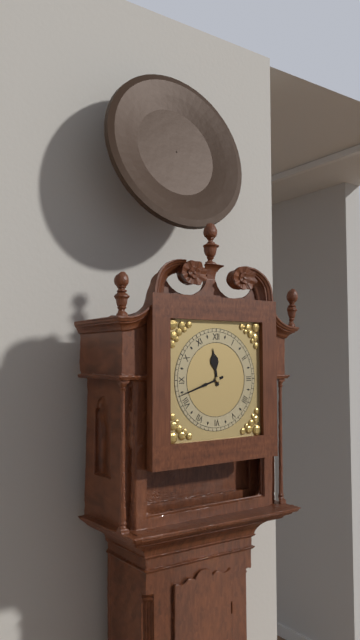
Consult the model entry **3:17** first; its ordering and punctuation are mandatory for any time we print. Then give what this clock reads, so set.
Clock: **11:42**
